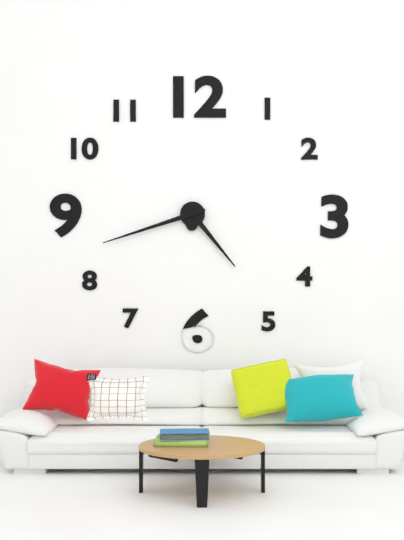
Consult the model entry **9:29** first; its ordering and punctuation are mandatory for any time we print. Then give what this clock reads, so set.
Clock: **4:42**
